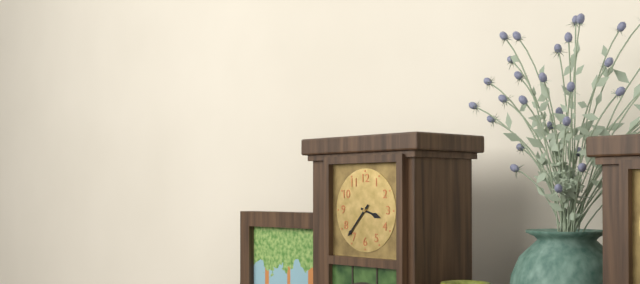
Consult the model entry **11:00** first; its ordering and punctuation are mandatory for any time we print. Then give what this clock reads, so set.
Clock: **3:37**
